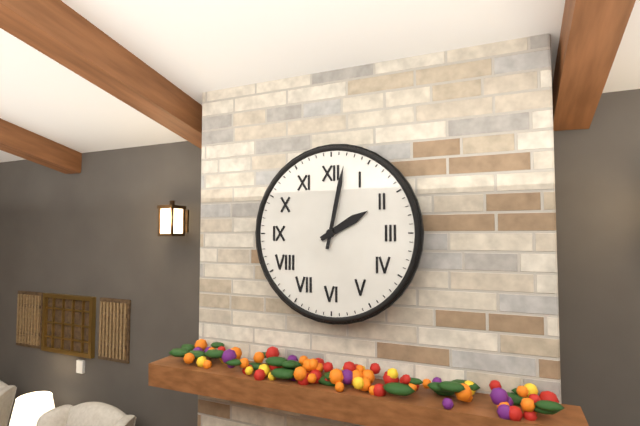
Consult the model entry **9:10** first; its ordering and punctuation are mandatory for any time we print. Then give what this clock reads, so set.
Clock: **2:02**
